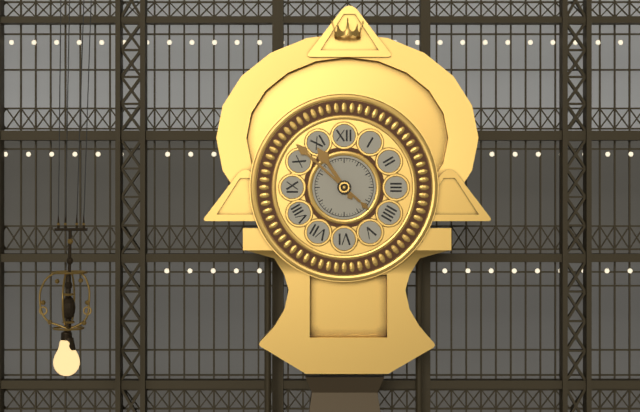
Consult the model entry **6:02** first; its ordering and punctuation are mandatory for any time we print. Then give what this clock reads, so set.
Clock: **10:52**
